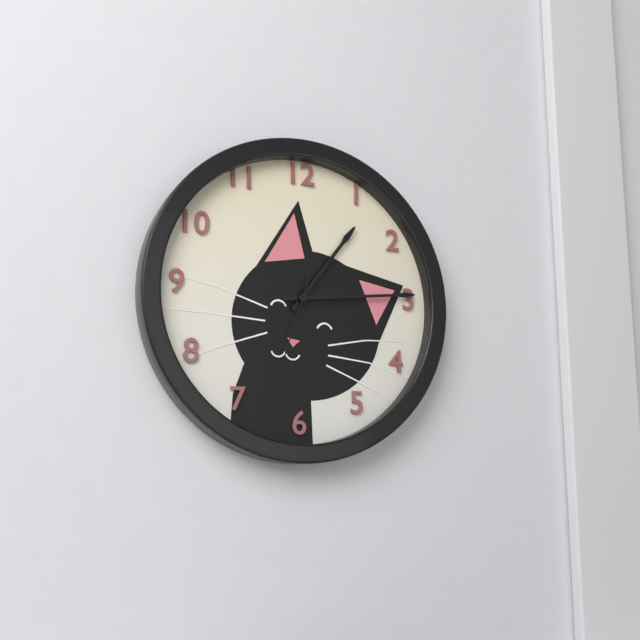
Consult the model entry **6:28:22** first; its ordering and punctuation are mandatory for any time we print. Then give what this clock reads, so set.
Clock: **1:14:33**
